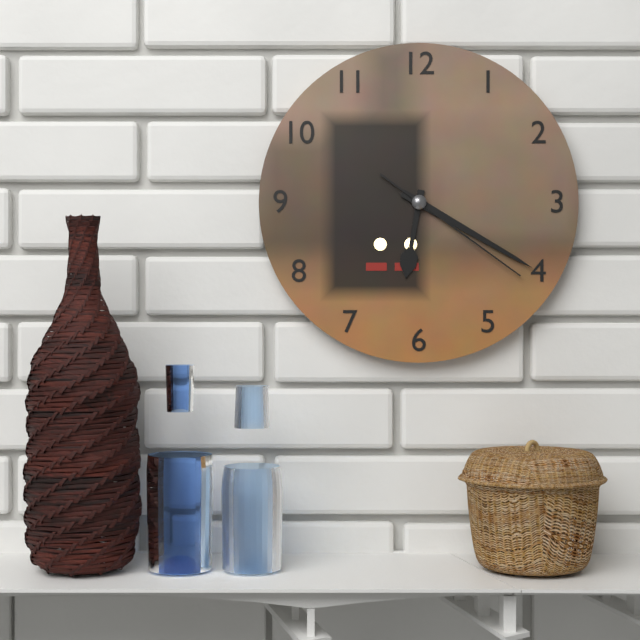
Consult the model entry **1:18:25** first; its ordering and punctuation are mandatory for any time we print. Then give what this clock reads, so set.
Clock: **6:20:21**
